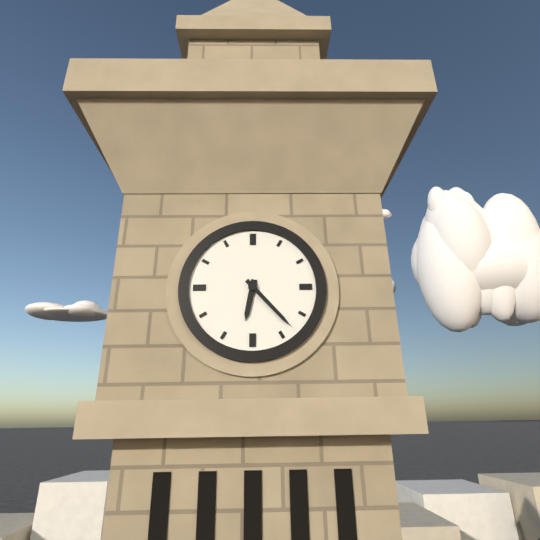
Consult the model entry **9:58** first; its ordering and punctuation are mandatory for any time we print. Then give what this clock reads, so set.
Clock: **6:23**
